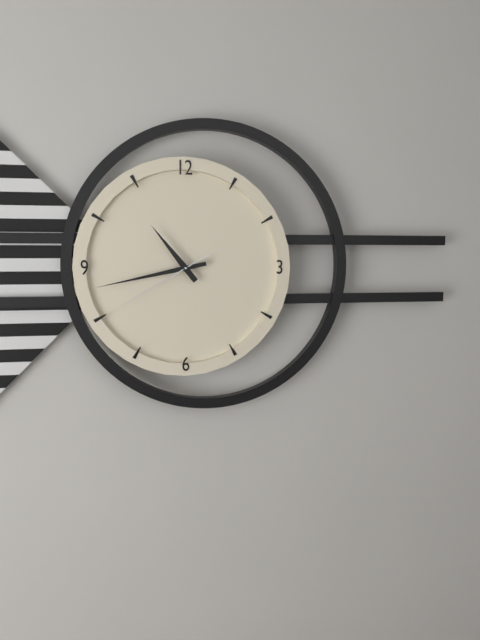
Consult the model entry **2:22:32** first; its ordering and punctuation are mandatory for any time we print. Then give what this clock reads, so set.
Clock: **10:43:40**
